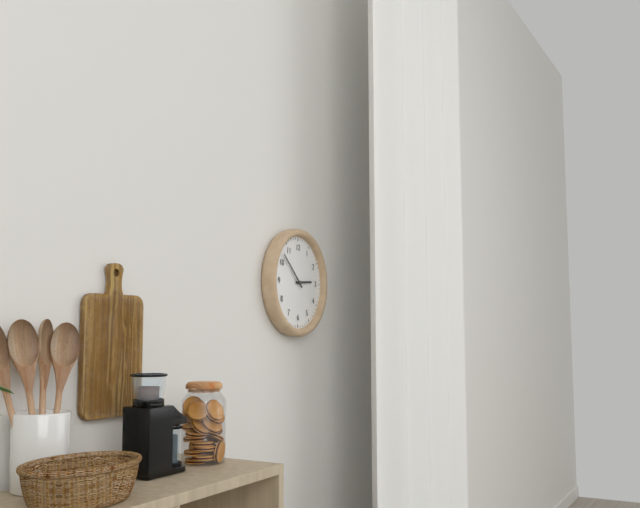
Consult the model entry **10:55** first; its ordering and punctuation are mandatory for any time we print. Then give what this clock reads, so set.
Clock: **2:52**
